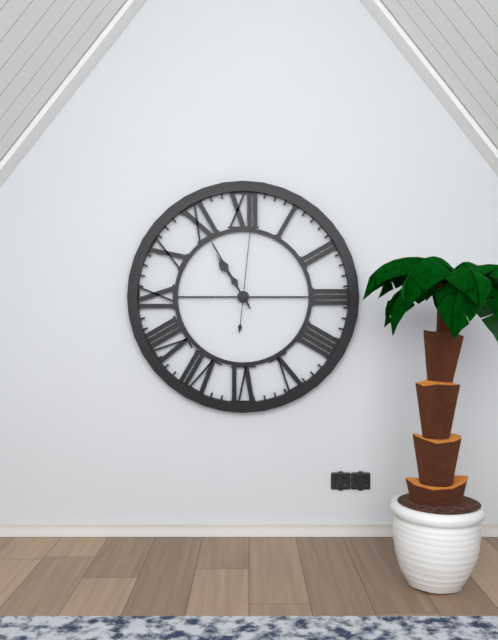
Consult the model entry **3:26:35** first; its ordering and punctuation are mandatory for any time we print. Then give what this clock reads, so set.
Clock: **10:55:01**
